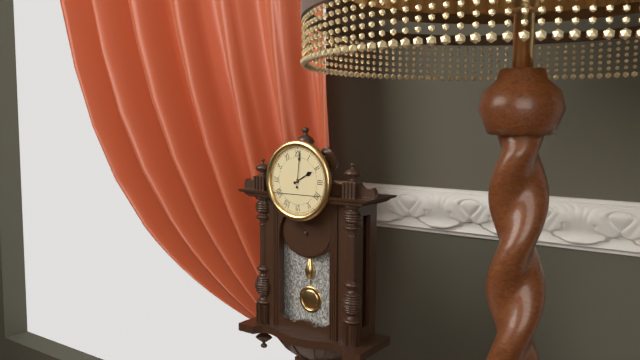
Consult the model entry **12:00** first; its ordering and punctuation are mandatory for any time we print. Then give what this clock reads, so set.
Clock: **2:01**
